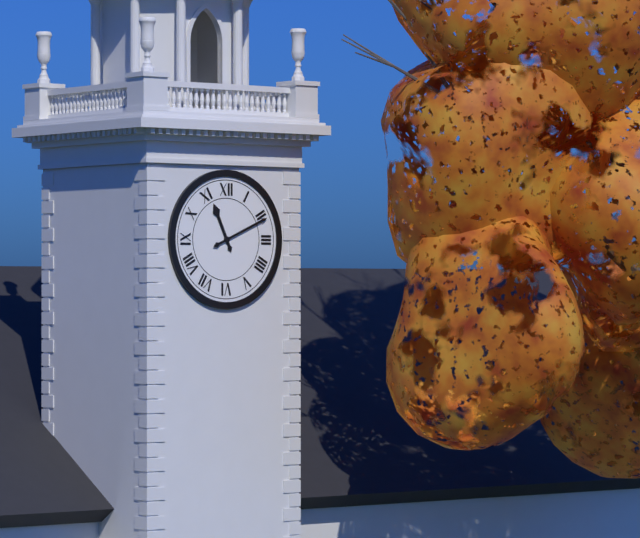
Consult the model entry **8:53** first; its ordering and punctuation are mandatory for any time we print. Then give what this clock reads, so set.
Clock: **11:11**
